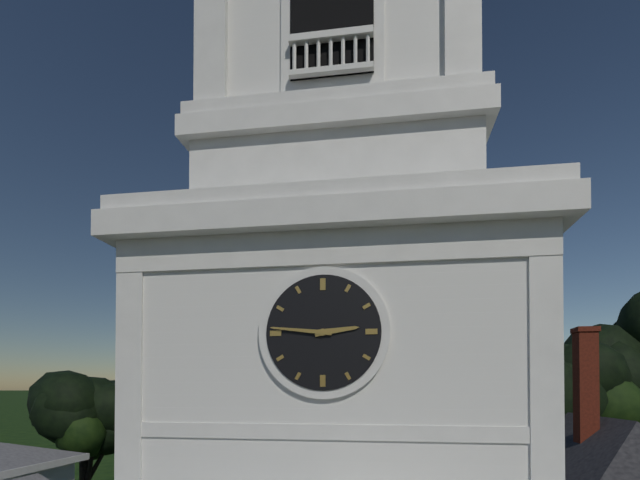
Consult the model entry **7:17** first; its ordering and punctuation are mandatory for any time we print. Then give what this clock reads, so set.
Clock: **2:46**
